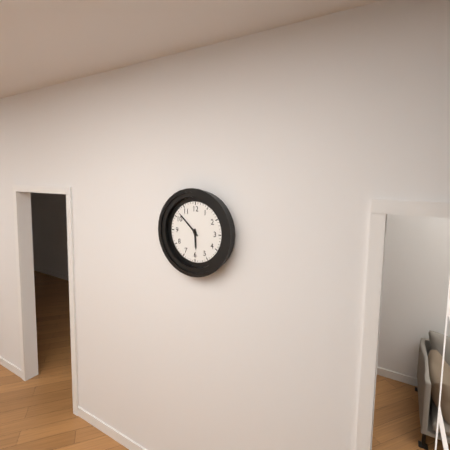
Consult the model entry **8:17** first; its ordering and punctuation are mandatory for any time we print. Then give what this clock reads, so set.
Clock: **5:52**
